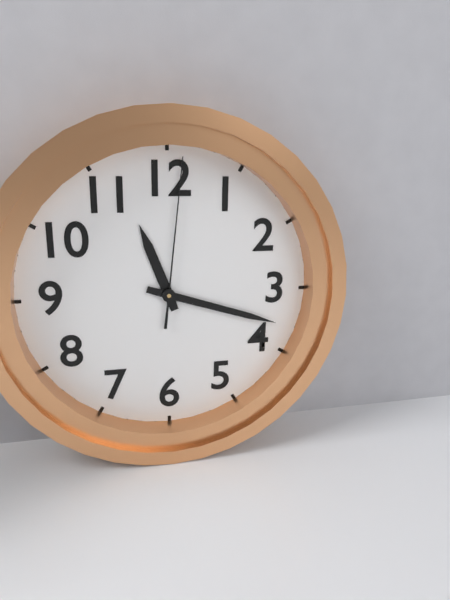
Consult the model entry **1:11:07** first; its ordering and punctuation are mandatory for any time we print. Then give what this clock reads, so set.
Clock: **11:18:01**
